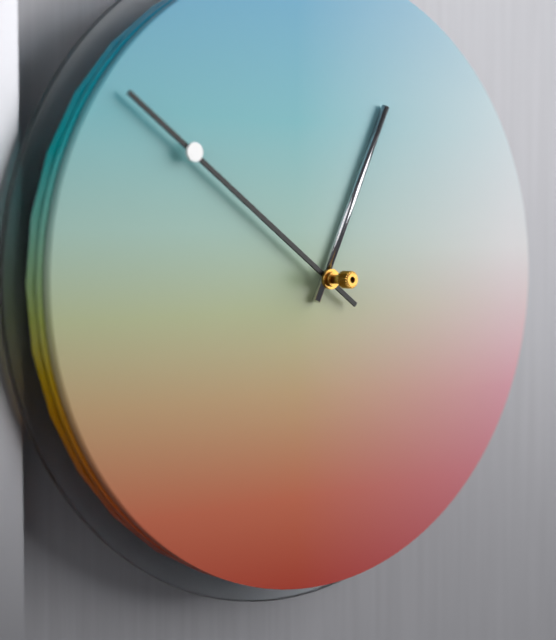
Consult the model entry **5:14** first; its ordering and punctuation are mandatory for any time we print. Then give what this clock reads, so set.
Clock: **12:51**
